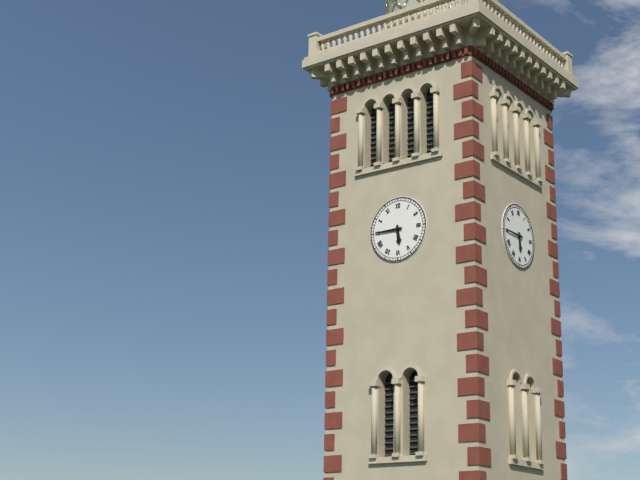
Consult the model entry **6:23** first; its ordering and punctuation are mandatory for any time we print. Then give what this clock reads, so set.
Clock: **5:45**
